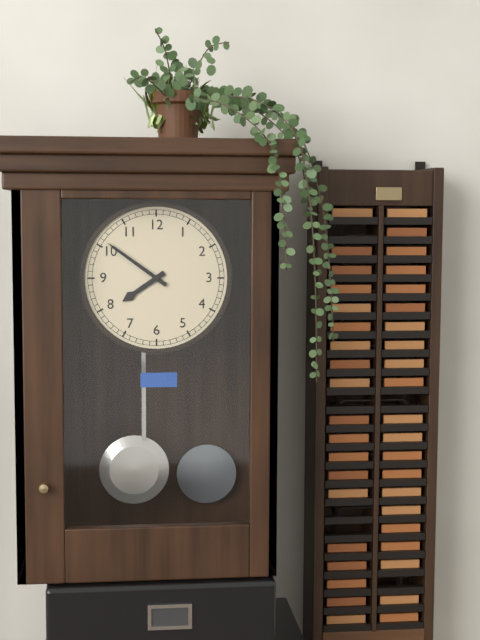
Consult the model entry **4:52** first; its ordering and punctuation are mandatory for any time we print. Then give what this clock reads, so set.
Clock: **7:51**
